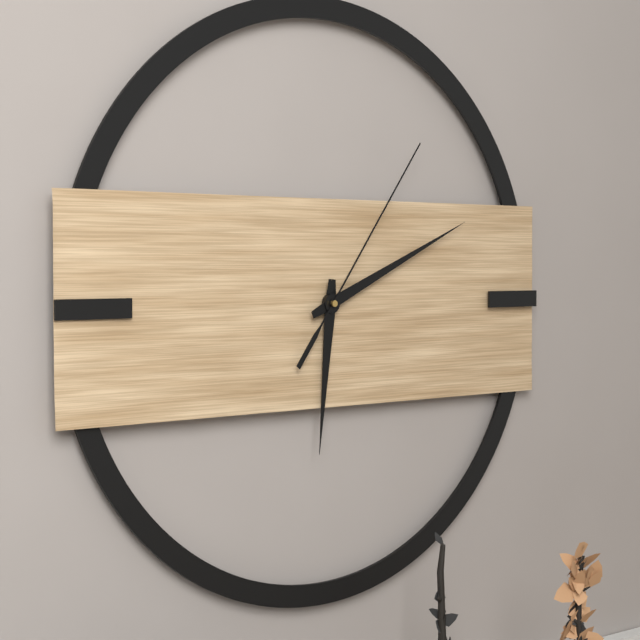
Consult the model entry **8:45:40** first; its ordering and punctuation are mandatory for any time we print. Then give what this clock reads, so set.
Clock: **6:11:06**
